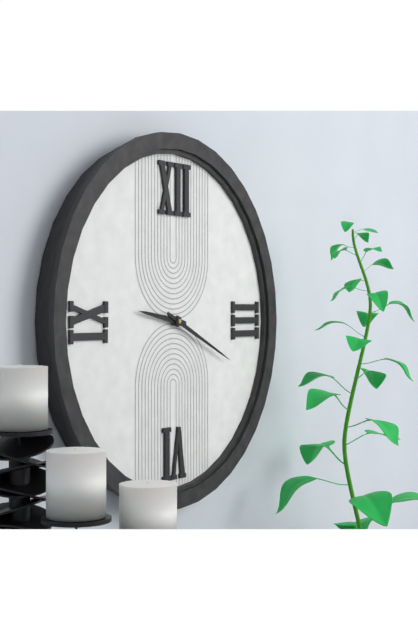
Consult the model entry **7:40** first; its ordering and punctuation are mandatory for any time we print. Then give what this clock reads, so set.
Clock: **9:19**
